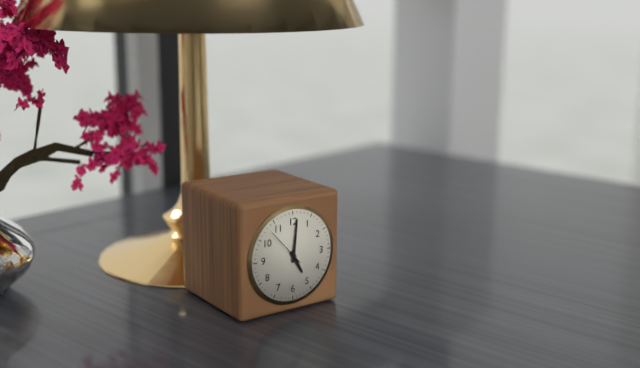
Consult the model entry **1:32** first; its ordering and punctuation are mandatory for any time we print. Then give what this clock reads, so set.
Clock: **5:01**
